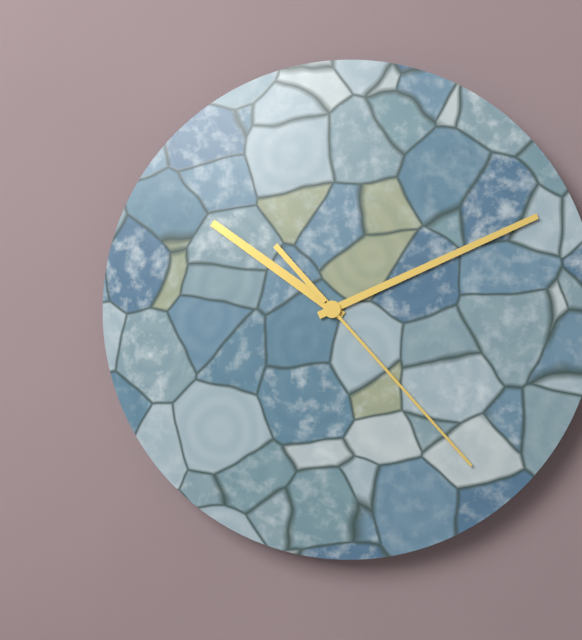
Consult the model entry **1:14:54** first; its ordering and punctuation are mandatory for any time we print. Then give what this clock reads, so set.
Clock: **10:11:23**
